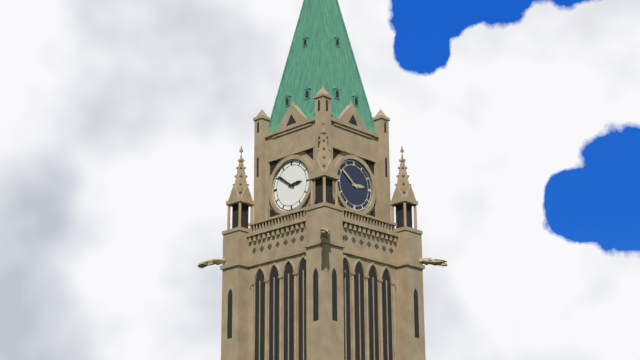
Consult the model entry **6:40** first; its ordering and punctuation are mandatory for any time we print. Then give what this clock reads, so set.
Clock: **2:51**
